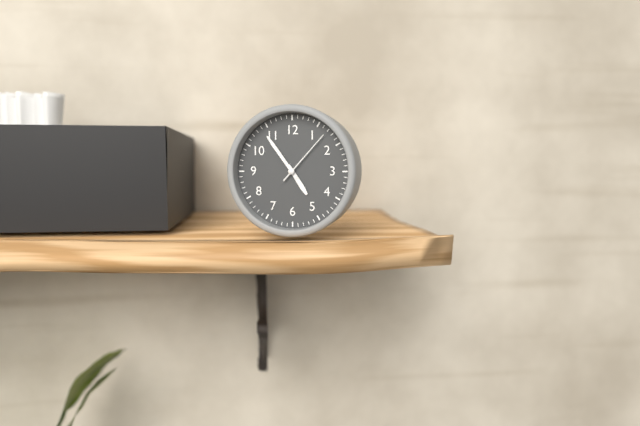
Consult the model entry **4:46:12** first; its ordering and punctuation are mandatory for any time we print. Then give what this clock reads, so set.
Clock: **4:54:07**
